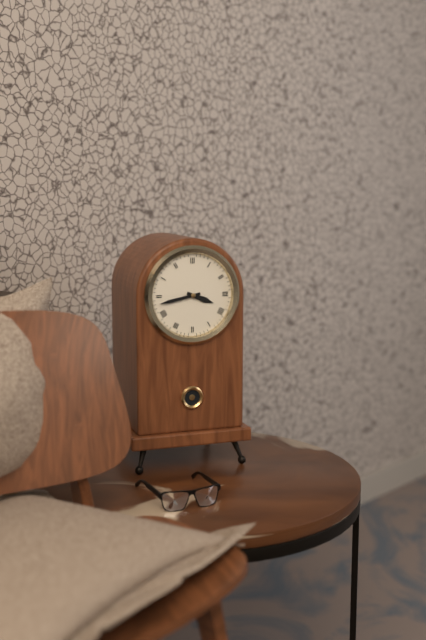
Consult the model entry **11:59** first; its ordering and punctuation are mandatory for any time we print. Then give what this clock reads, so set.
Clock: **3:43**
